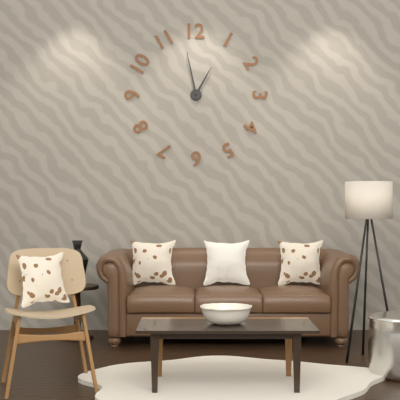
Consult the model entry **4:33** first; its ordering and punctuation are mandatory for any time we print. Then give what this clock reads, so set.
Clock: **12:58**
